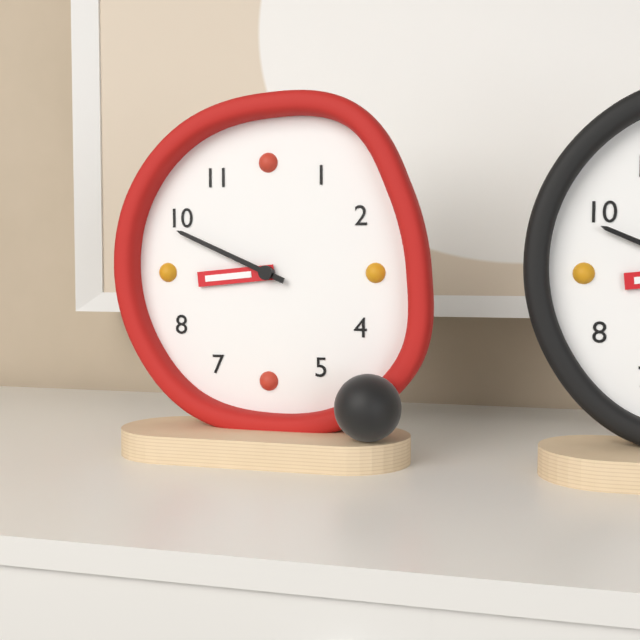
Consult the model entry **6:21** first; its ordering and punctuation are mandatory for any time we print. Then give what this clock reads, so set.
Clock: **8:49**
